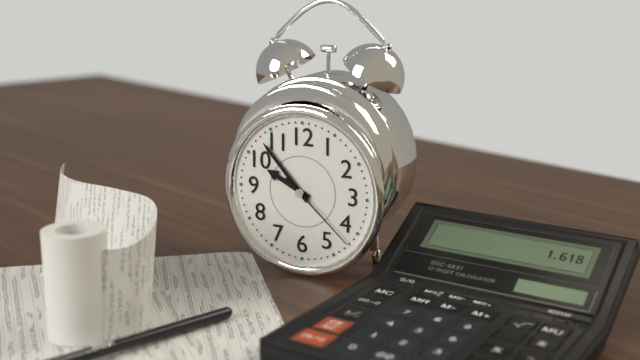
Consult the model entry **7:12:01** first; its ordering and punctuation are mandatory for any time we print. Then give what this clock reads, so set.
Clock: **9:53:22**
